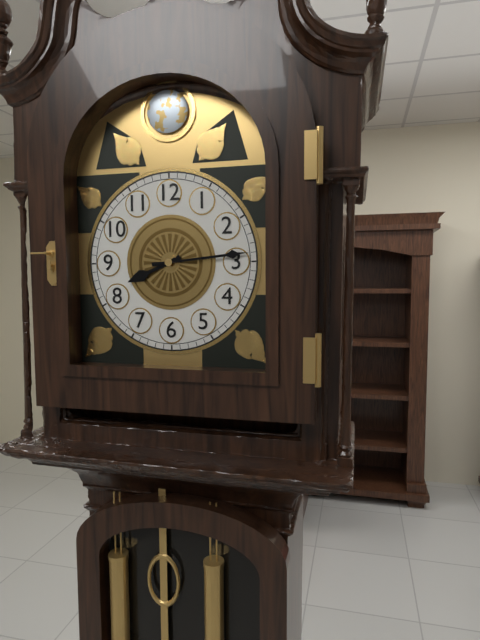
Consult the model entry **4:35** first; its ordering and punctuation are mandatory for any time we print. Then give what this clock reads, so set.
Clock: **8:14**
